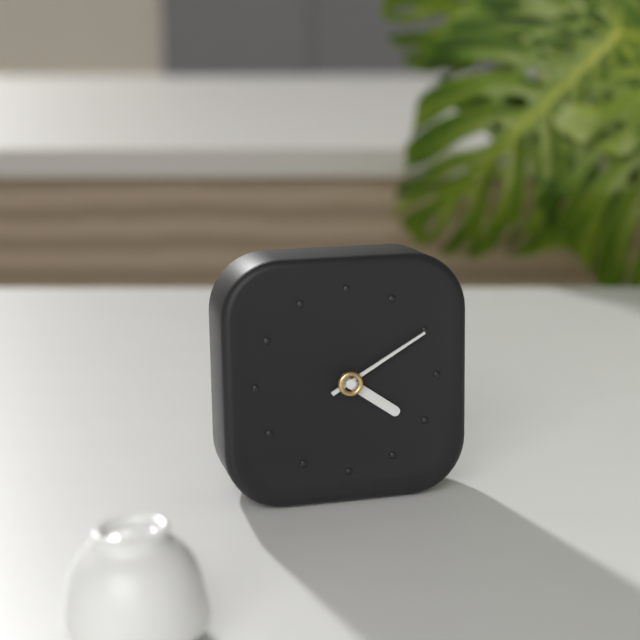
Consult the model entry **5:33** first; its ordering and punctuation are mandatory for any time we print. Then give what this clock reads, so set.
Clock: **4:10**
